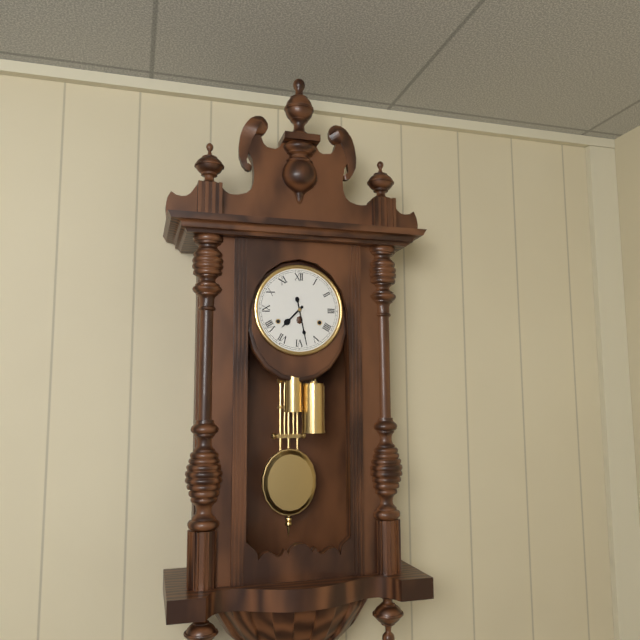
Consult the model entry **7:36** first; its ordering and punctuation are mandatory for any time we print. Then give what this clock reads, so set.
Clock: **7:28**
